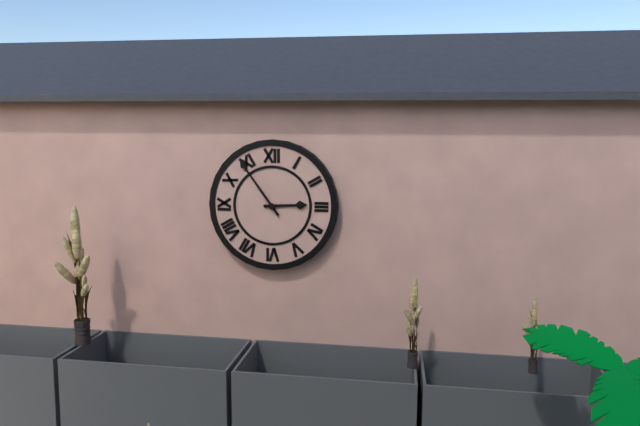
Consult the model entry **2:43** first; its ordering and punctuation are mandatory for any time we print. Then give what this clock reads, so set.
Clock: **2:54**
